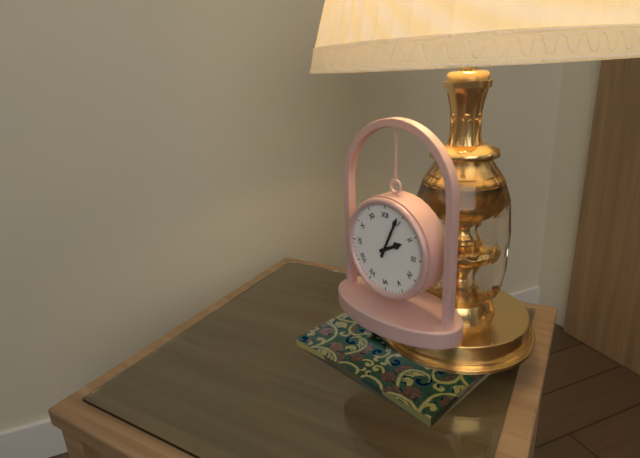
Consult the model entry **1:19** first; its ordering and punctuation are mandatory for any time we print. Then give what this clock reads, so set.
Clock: **2:04**
